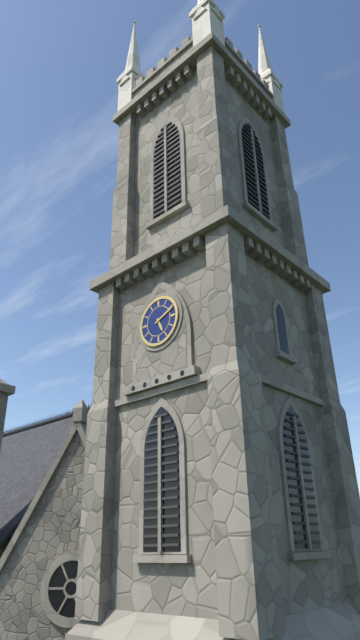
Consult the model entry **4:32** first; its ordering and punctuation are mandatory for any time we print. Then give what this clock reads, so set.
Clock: **5:11**
